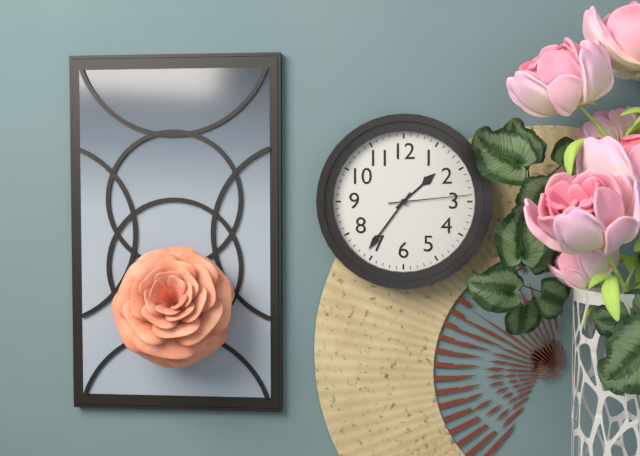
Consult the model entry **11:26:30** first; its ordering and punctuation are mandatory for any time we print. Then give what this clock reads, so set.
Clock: **1:36:14**
